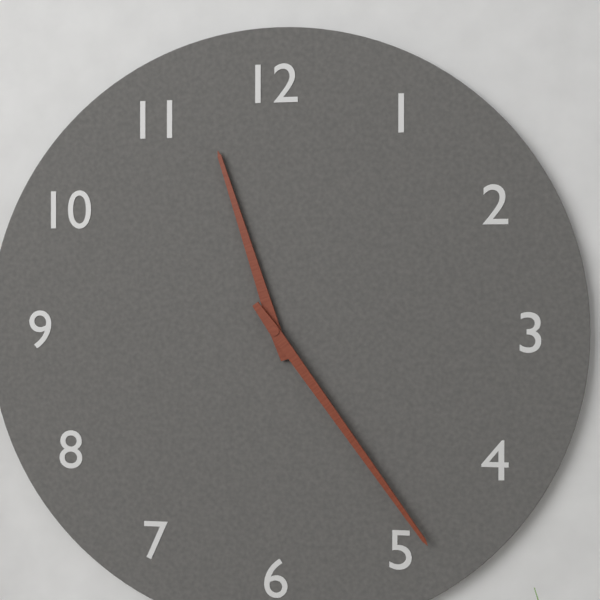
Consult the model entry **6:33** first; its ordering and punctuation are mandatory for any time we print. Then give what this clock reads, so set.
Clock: **11:24**
